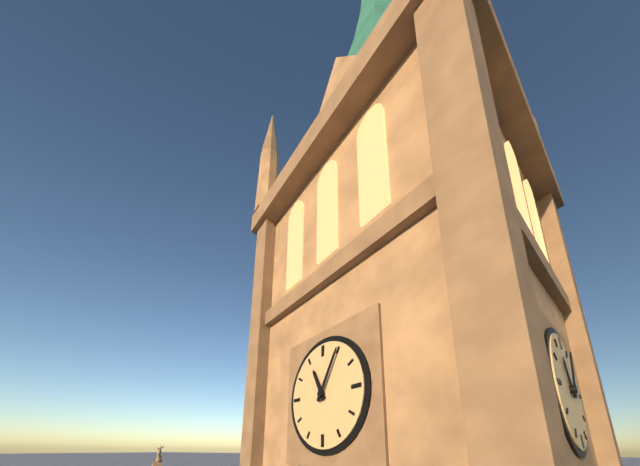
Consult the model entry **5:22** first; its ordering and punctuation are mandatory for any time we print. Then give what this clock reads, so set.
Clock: **11:05**
